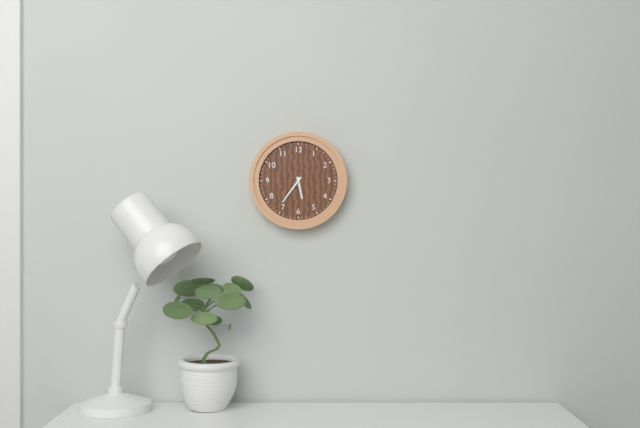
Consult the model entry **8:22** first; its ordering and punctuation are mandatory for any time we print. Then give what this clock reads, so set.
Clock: **5:36**
